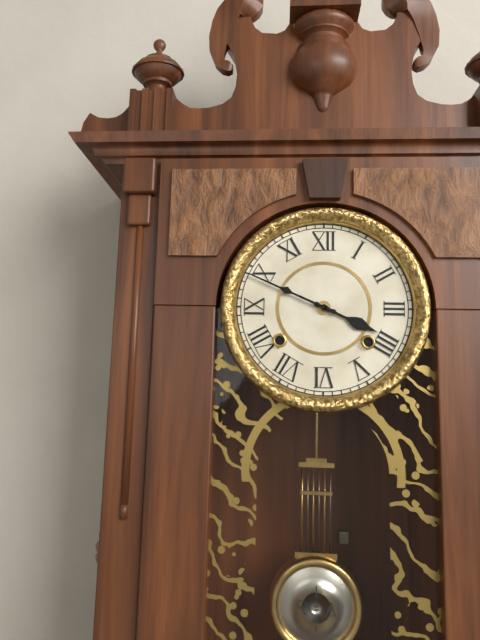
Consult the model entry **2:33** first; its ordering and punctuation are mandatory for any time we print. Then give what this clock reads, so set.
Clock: **3:49**
